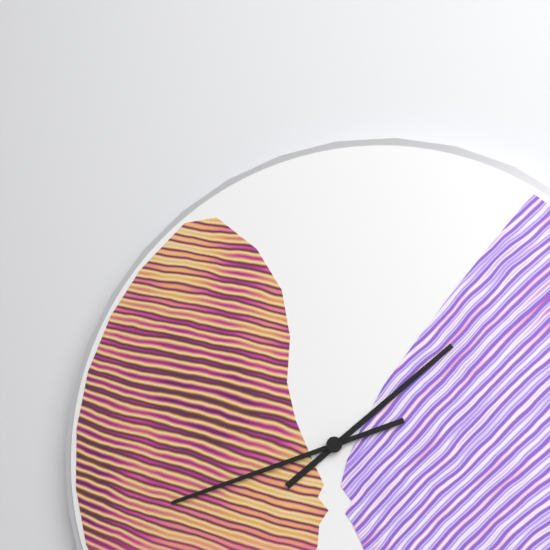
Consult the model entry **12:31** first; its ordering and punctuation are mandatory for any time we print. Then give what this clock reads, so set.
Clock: **1:42**
